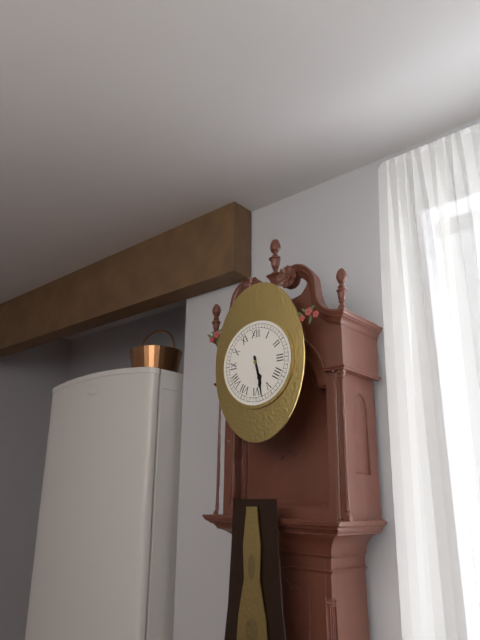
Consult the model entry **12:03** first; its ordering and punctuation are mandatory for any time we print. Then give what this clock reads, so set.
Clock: **5:28**
